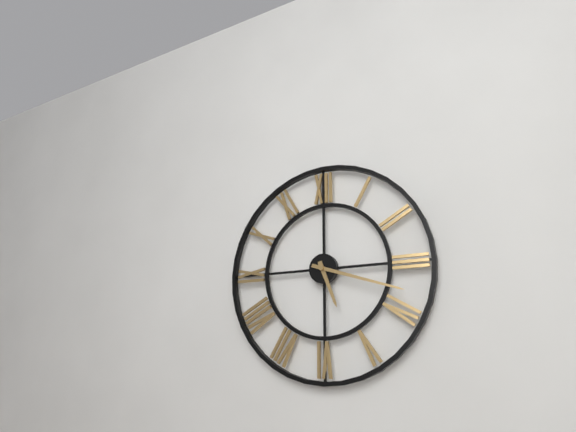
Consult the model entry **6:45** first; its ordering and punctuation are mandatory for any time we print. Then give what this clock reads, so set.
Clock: **5:18**
